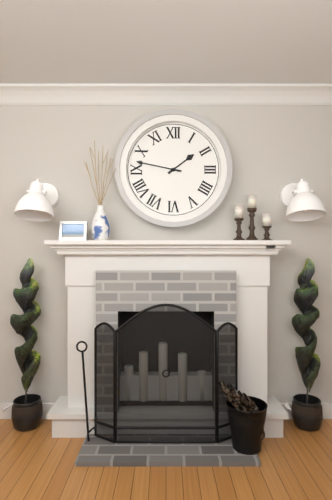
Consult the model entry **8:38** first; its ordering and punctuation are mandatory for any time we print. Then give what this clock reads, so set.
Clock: **1:47**
